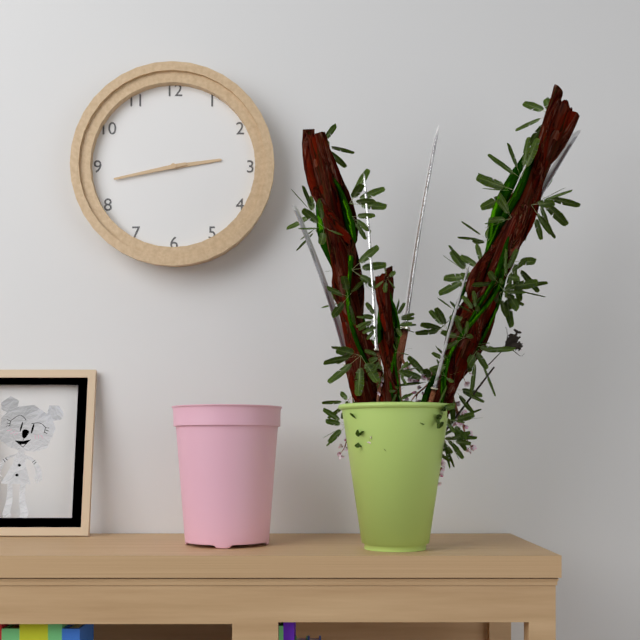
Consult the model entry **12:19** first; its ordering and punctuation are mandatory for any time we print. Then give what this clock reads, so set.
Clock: **2:43**
